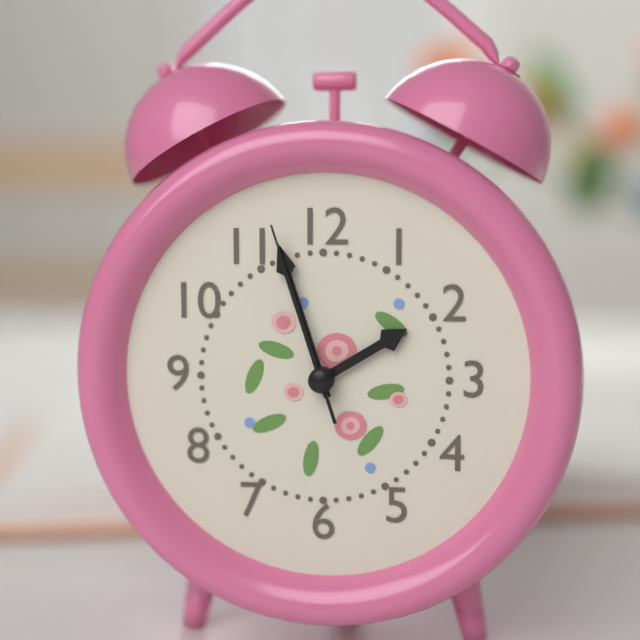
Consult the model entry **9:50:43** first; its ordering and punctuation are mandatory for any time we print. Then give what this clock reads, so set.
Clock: **1:57:57**
